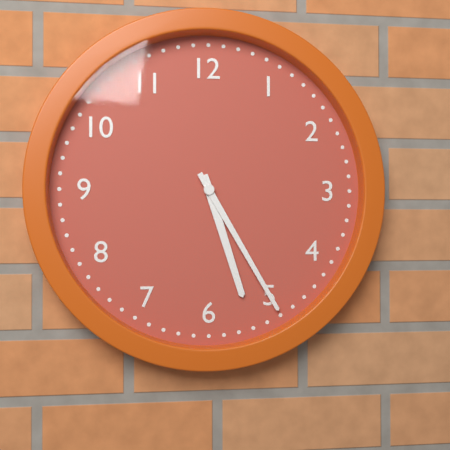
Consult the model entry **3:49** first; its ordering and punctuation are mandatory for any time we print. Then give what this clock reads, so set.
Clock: **5:25**
